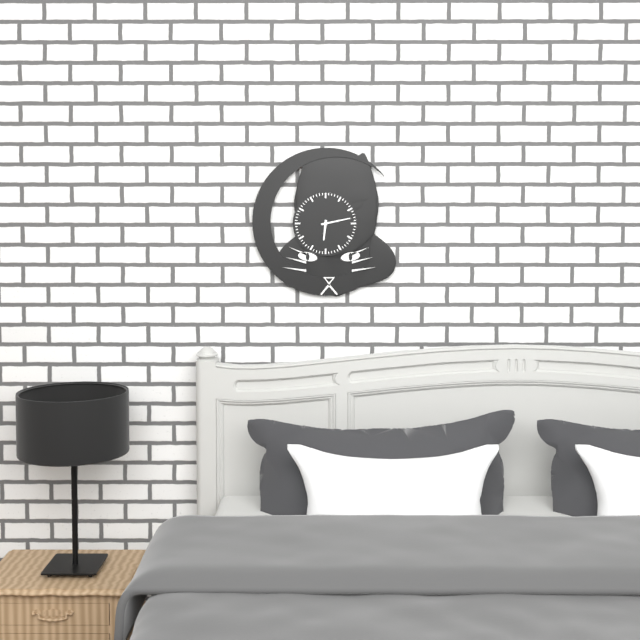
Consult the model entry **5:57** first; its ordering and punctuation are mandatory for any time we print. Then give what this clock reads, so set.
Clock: **6:13**
